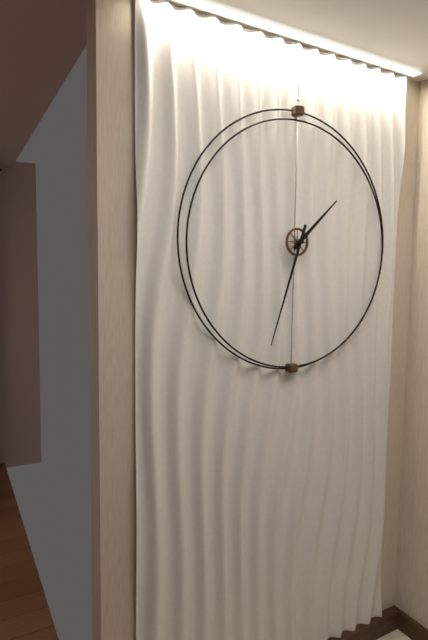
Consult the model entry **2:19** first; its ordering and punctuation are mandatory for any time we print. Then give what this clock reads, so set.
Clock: **1:33**
